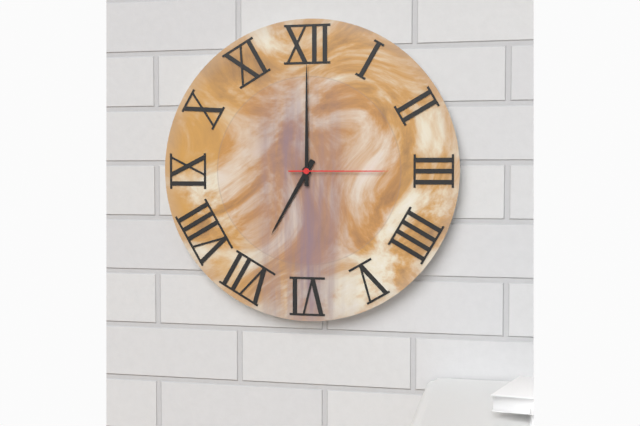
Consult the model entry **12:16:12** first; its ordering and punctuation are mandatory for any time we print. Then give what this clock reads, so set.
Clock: **7:00:15**
